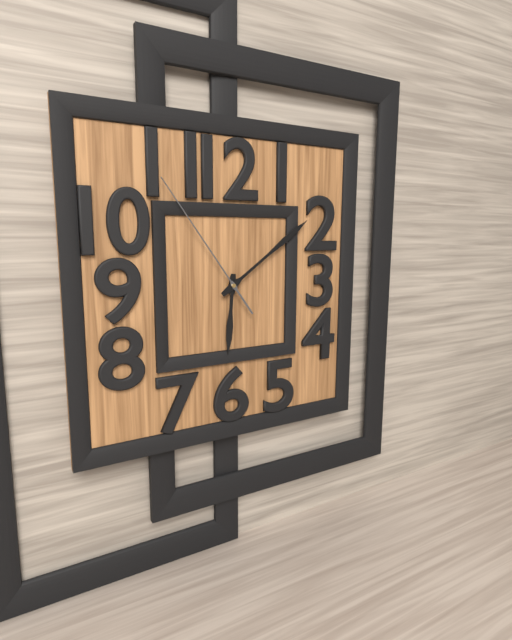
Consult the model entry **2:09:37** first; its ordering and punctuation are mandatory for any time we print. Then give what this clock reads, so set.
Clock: **6:09:54**
